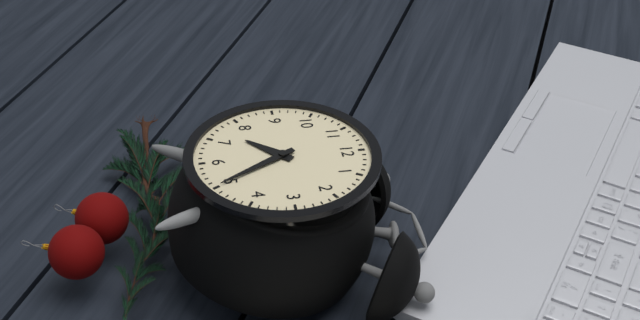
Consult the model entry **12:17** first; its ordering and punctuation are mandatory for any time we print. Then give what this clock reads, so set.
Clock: **7:25**
